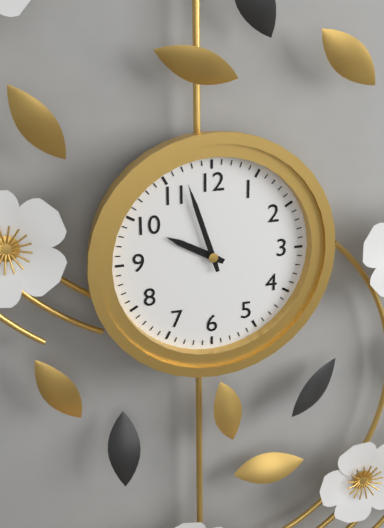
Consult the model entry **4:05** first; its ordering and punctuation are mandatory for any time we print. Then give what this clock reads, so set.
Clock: **9:57**
